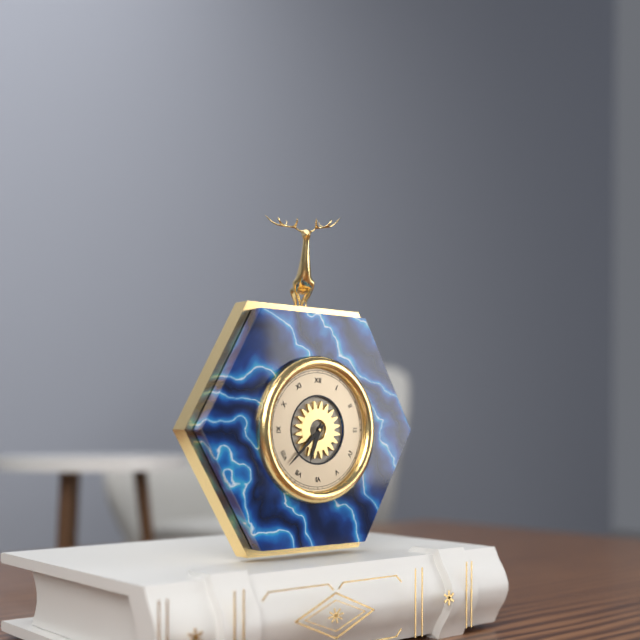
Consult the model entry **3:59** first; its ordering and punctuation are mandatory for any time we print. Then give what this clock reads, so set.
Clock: **6:38**
